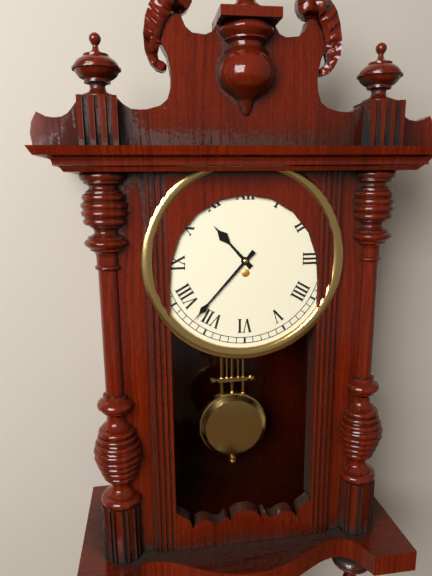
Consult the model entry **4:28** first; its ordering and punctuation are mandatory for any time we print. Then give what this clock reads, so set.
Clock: **10:37**
